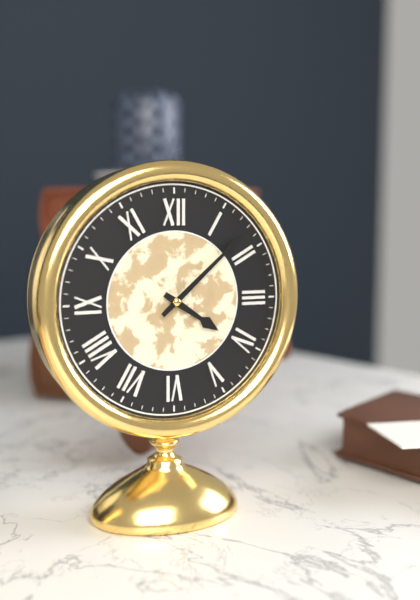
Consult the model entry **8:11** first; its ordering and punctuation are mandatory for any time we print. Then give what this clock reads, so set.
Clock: **4:08**
